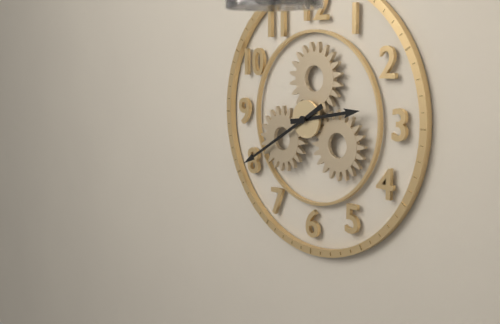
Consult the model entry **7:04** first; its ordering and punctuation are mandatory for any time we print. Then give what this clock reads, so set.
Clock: **2:40**
